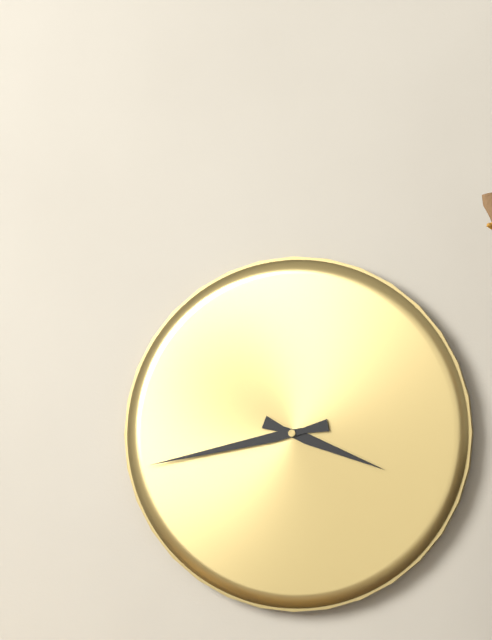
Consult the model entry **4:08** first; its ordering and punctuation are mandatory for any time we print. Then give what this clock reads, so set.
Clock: **3:43**
